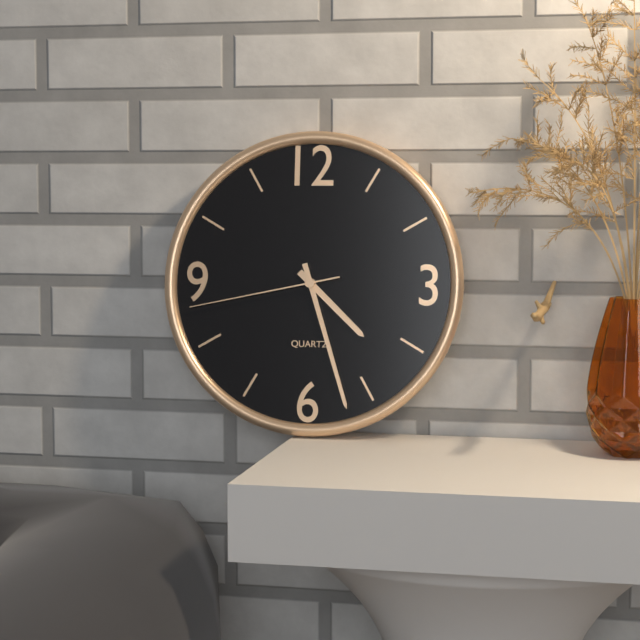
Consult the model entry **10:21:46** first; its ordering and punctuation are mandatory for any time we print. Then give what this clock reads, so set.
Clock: **4:27:43**
